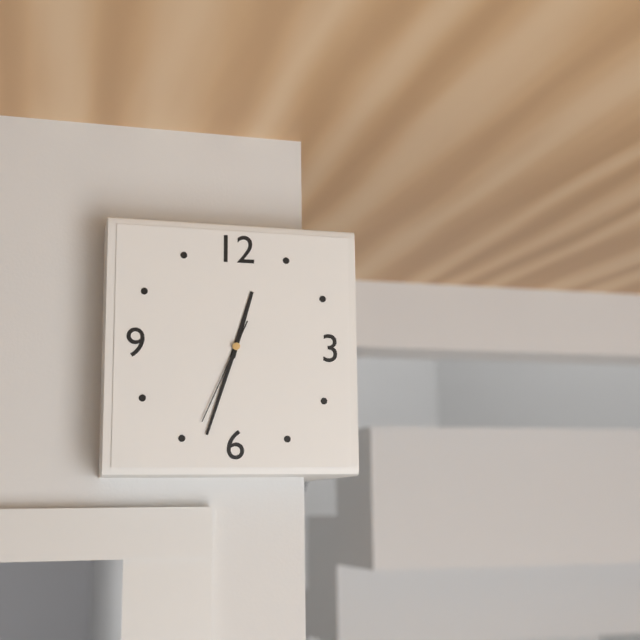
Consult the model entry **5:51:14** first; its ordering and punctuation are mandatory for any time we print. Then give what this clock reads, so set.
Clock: **12:33:34**
